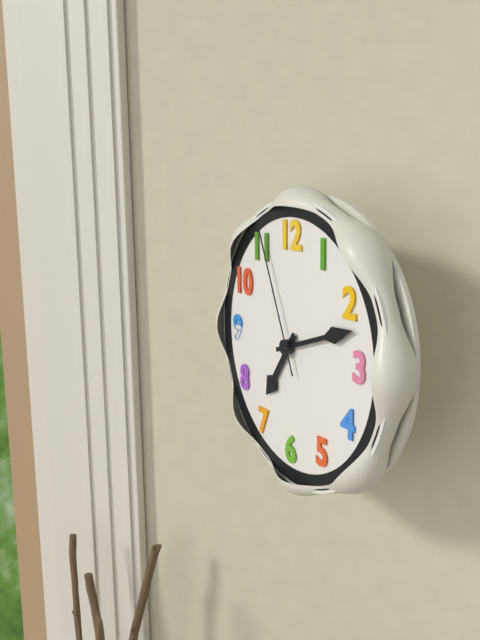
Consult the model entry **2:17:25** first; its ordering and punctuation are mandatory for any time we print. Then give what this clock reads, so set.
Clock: **7:12:56**
